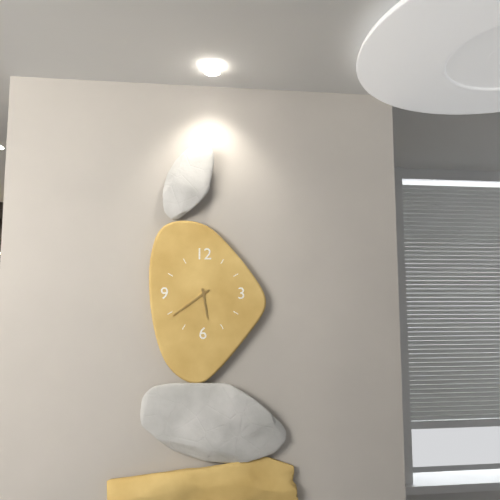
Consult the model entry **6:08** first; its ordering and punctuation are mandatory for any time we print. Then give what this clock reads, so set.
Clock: **5:39**
